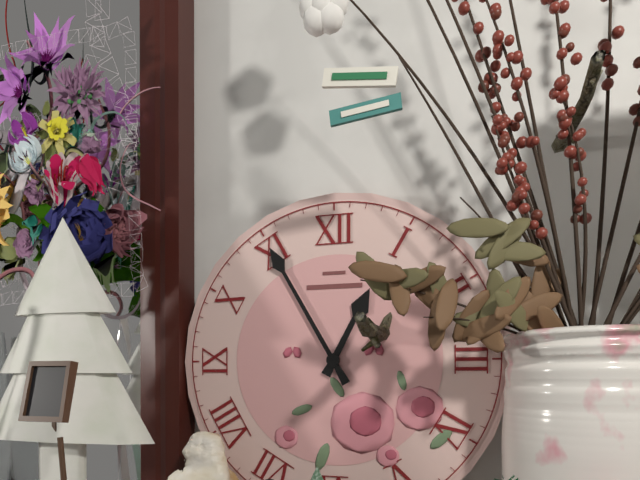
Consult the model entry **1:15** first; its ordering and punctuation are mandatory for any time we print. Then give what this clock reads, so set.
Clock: **12:55**
